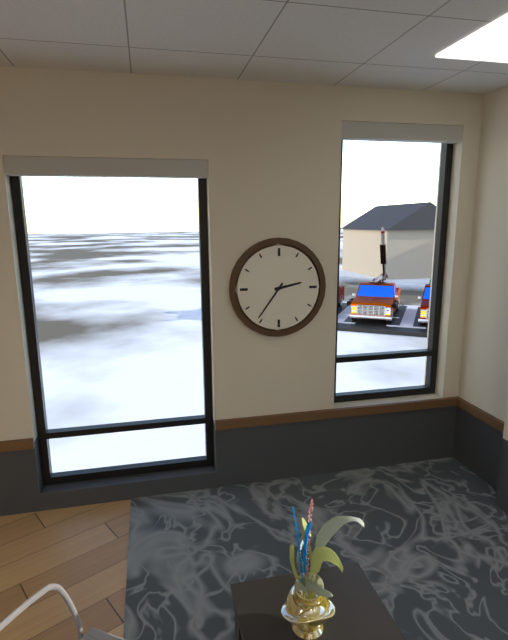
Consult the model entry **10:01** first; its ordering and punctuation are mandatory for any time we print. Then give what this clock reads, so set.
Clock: **2:36**
